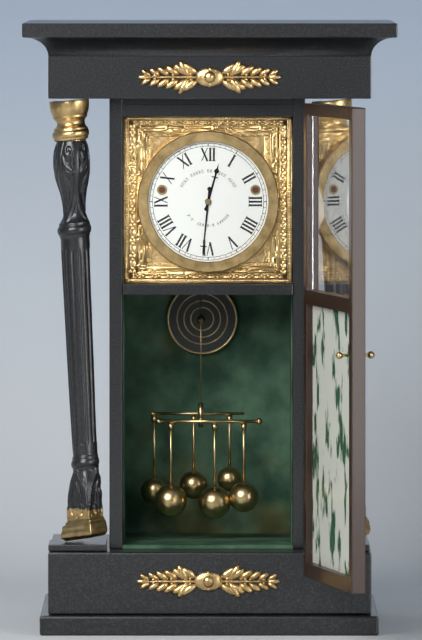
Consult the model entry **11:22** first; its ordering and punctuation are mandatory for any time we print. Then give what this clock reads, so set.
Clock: **12:31**
